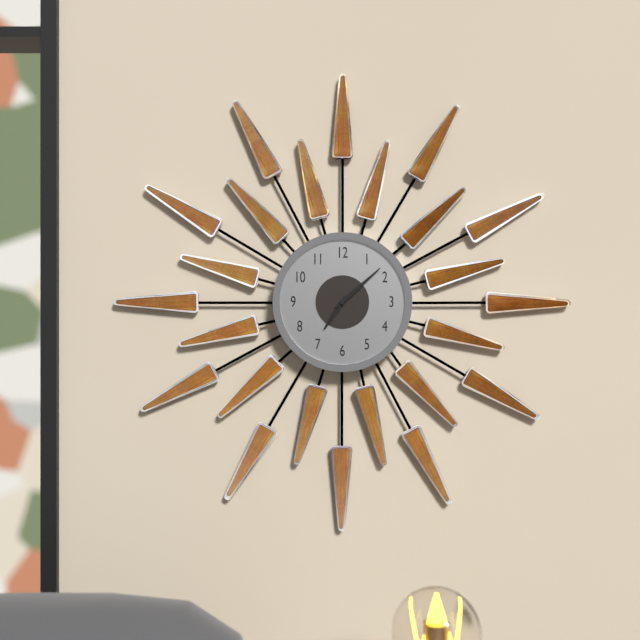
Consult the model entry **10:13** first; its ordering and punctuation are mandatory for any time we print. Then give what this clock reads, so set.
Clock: **7:08**
